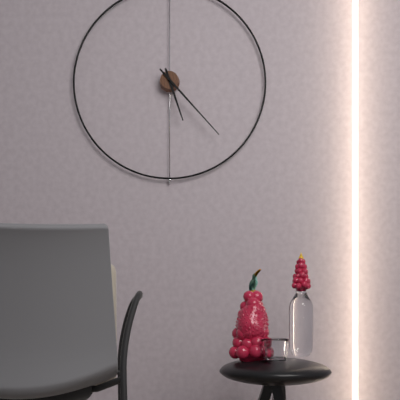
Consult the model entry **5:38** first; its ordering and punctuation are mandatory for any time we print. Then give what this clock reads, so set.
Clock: **5:23**
